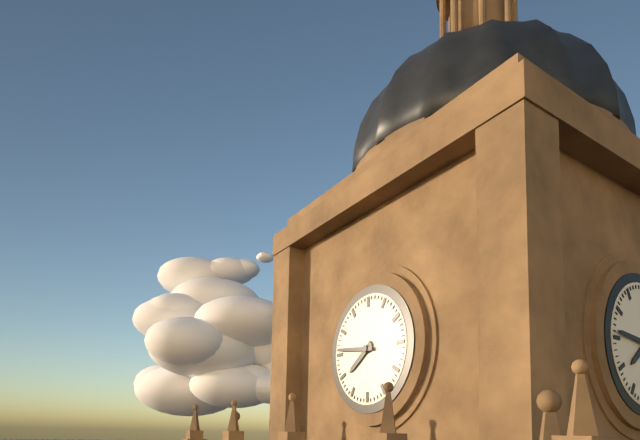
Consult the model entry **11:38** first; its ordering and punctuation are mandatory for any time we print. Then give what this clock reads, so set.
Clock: **7:46**
